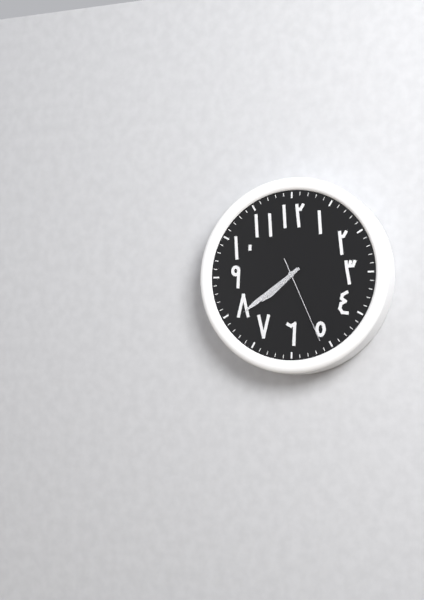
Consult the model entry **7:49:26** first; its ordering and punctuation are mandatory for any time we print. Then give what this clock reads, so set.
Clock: **7:39:26**
